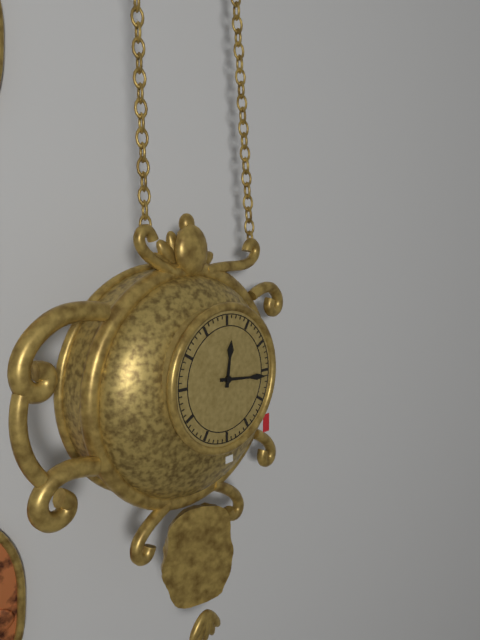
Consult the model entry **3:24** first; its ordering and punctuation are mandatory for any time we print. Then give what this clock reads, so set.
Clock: **12:16**
